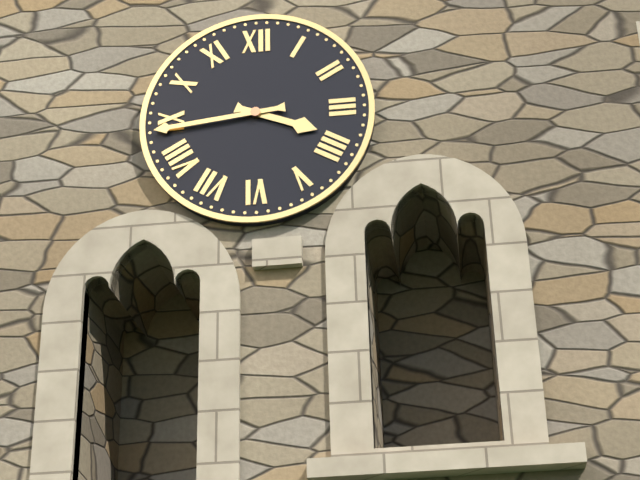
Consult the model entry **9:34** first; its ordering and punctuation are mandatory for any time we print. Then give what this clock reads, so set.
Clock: **3:44**
